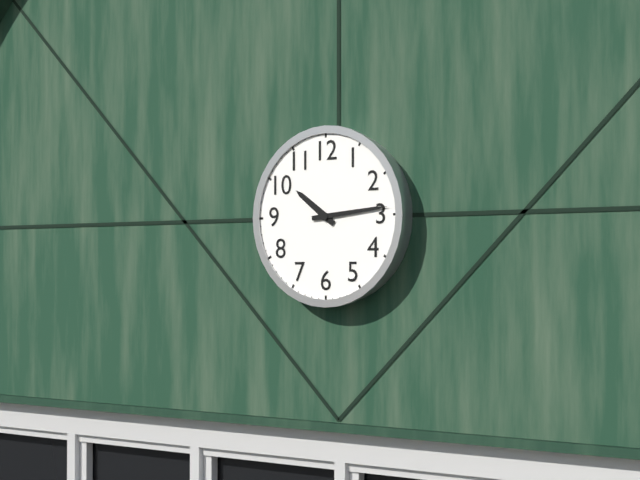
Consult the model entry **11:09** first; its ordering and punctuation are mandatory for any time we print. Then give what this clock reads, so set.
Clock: **10:14**
